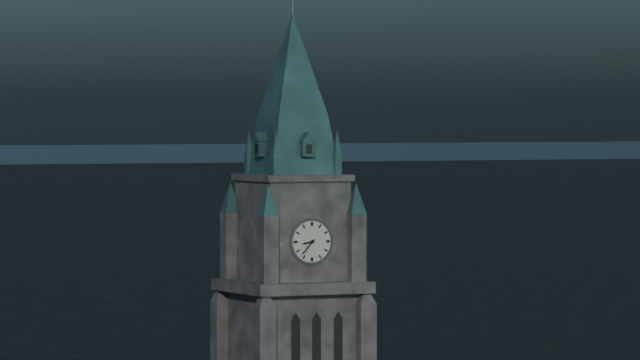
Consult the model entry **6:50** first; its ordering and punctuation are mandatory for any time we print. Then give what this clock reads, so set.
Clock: **8:37**
